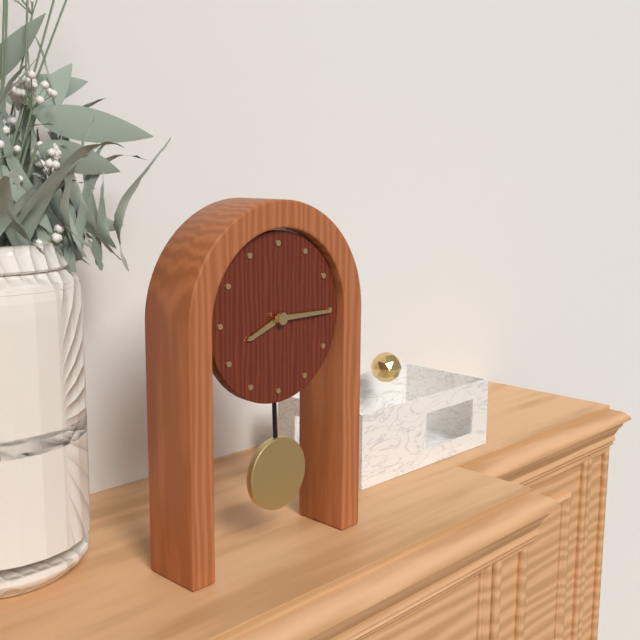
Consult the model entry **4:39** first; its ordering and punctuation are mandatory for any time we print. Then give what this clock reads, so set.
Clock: **8:15**
